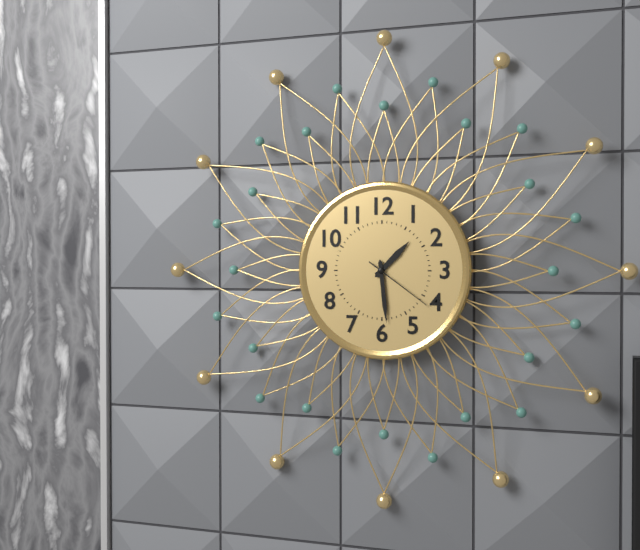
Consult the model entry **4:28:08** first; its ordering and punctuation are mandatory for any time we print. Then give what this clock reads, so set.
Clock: **1:29:21**
